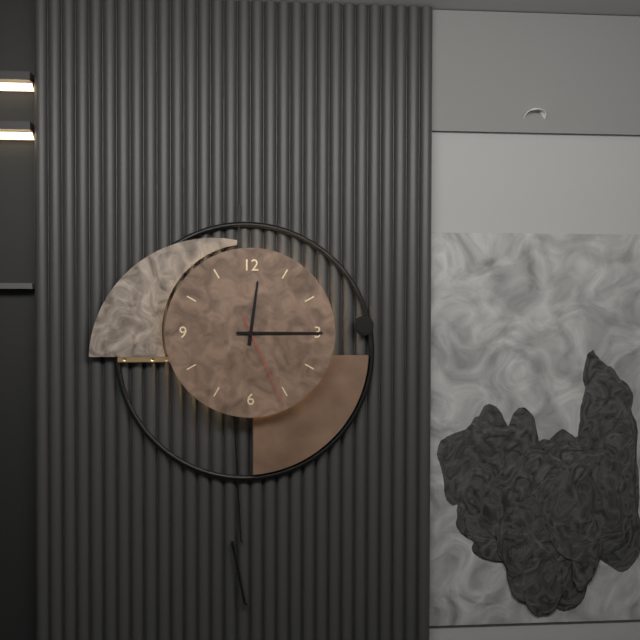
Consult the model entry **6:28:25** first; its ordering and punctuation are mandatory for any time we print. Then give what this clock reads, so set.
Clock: **12:15:26**
